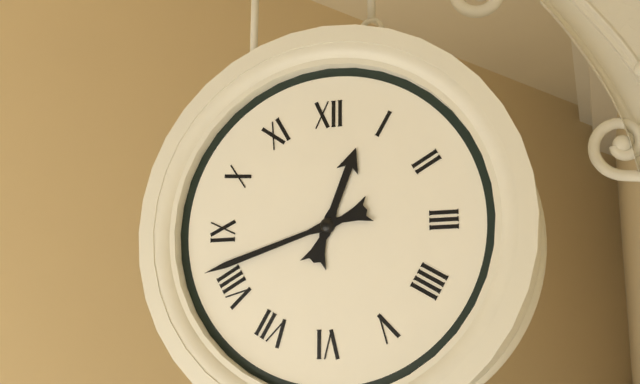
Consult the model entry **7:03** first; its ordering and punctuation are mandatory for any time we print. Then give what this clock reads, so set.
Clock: **12:42**
